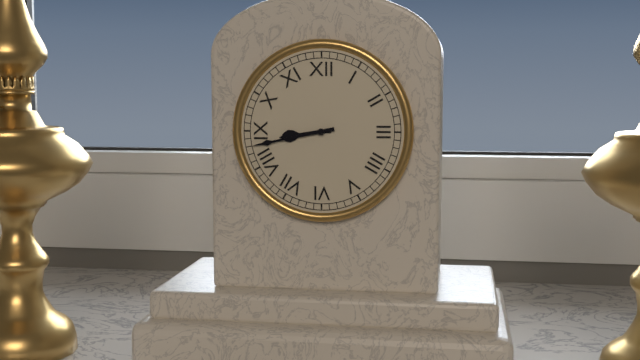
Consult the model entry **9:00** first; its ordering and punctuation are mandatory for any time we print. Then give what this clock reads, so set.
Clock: **8:43**
